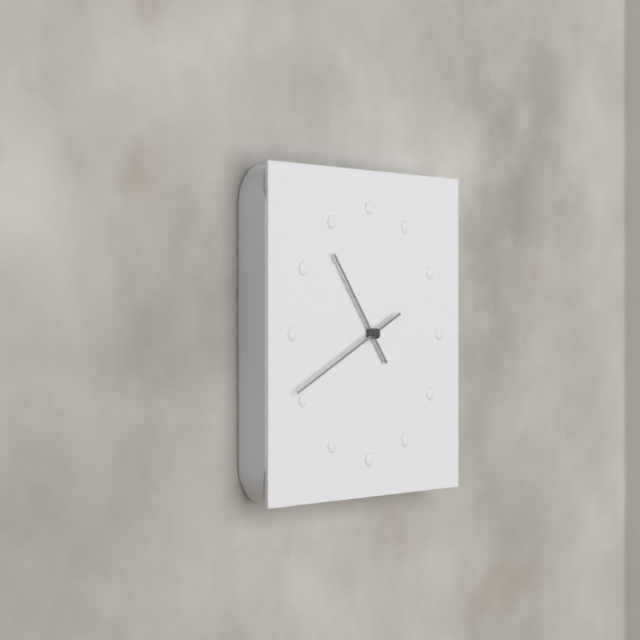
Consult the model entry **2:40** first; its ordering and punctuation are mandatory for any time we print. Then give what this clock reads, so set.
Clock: **10:41**
